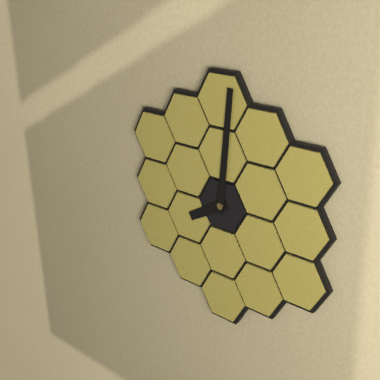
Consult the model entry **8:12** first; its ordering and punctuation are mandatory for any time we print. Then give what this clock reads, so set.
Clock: **8:01**
